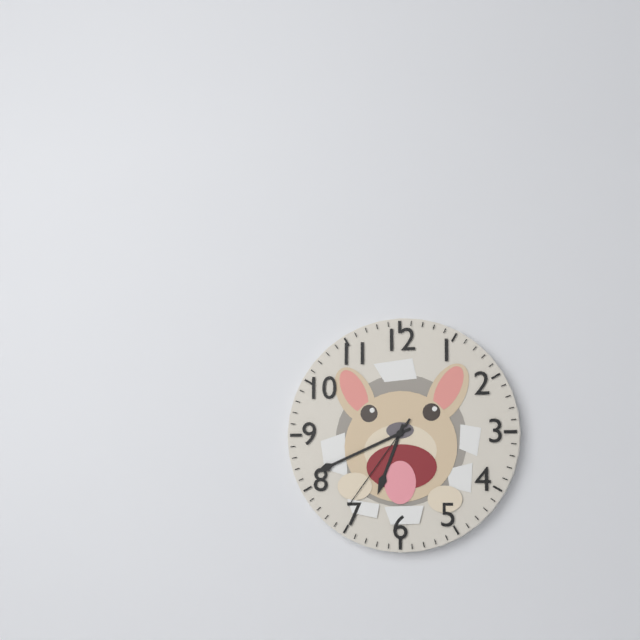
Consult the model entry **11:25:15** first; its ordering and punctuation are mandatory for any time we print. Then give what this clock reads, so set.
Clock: **6:41:36**
